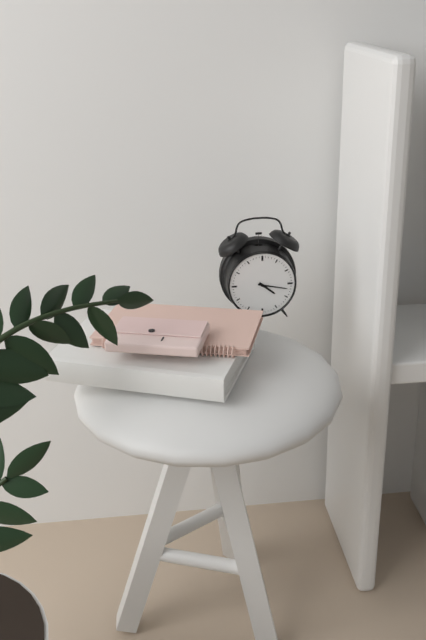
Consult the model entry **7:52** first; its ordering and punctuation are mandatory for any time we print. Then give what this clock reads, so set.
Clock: **4:17**
